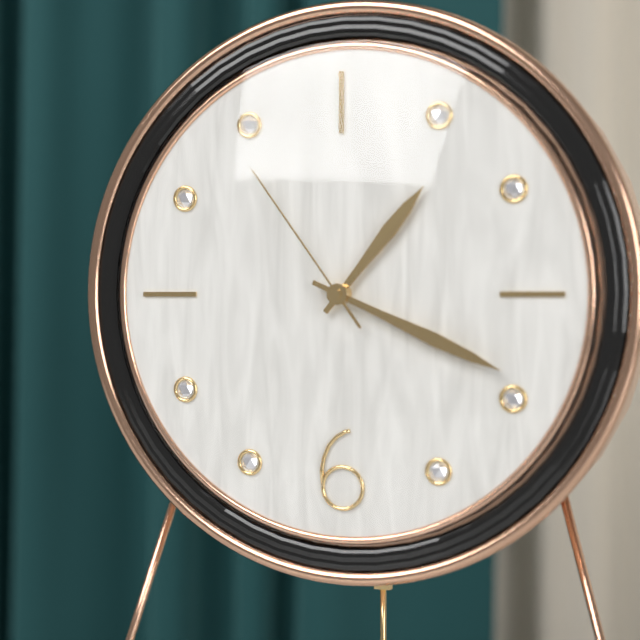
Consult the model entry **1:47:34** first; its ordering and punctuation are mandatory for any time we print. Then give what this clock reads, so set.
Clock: **1:19:54**
